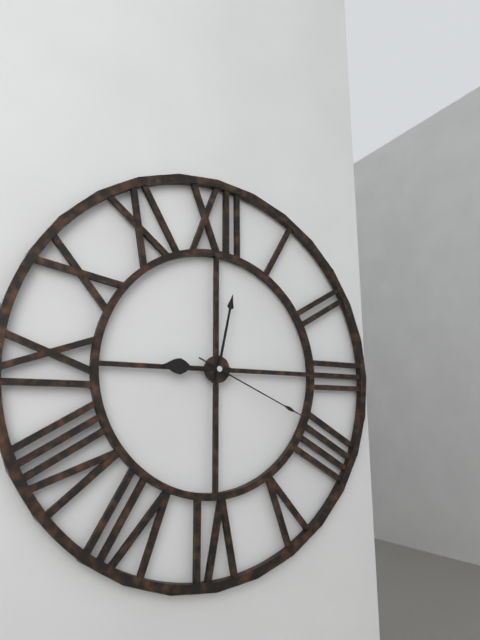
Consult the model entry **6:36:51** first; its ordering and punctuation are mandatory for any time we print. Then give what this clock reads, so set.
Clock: **9:02:19**
